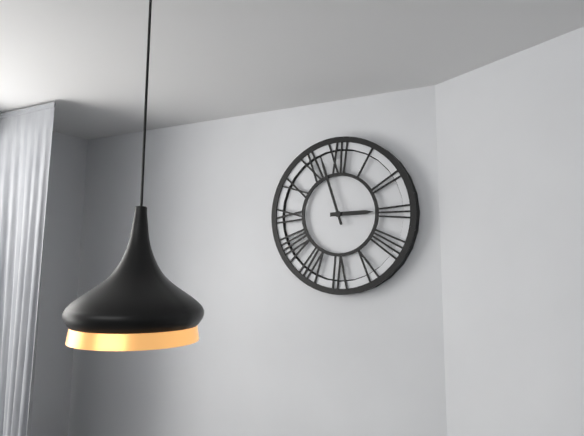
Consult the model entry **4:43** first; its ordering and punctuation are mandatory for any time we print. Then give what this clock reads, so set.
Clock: **2:57**
